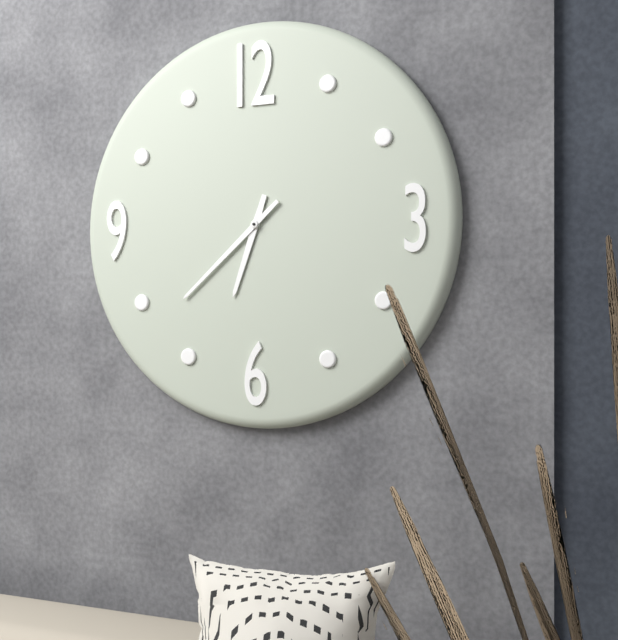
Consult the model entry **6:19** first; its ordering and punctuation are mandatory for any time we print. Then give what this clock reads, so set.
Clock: **6:38**
